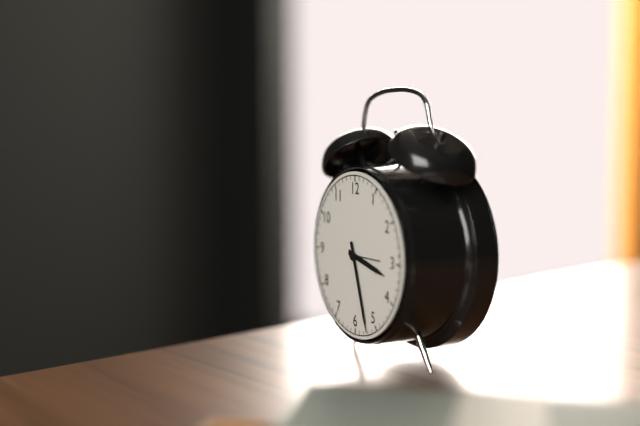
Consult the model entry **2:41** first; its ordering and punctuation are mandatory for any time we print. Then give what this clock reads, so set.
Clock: **3:27**
